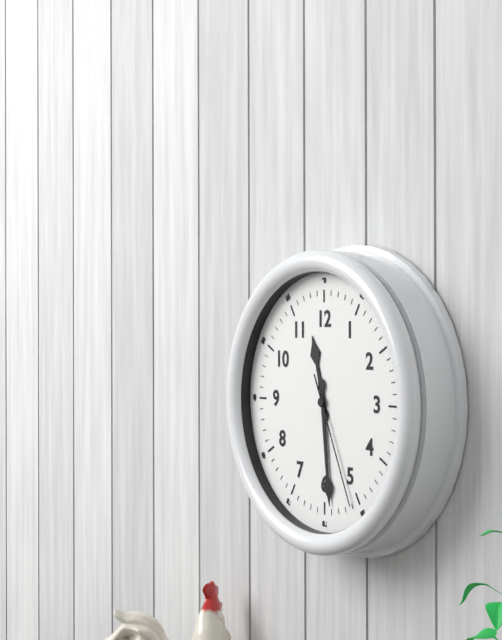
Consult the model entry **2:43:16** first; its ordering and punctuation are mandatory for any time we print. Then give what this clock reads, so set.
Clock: **11:29:26**
